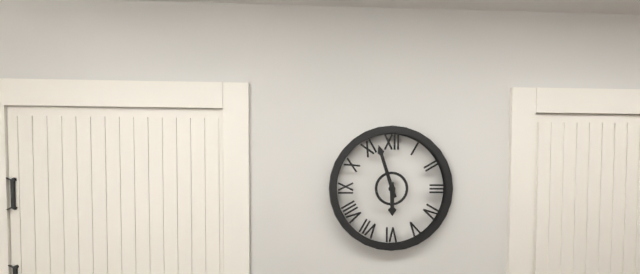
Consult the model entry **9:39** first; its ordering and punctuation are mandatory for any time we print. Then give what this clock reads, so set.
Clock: **5:57**
